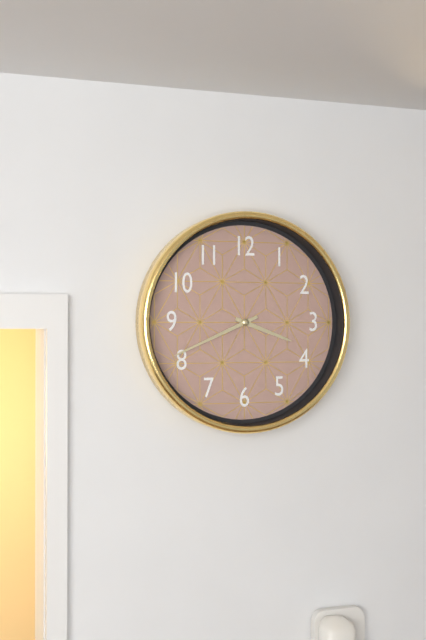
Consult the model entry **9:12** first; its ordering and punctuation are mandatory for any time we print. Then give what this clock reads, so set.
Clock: **3:41**
